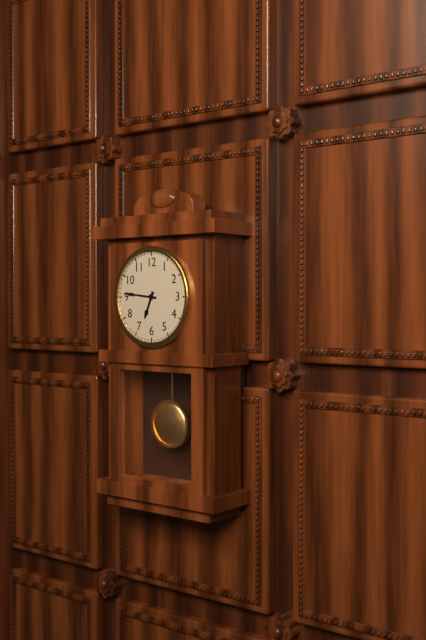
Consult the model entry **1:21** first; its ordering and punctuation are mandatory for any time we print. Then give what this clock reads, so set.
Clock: **6:46**
